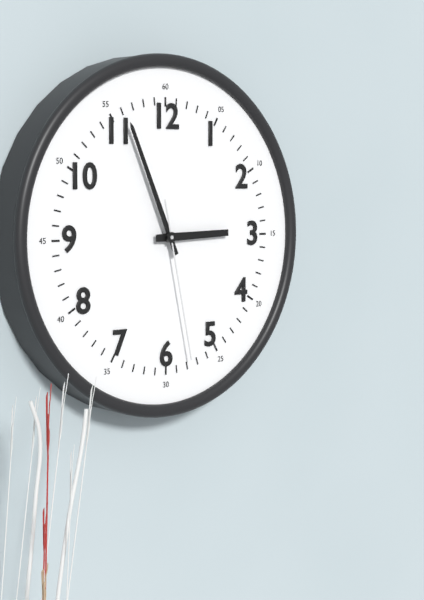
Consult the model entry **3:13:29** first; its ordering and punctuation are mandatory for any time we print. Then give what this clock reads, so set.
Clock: **2:56:28**
